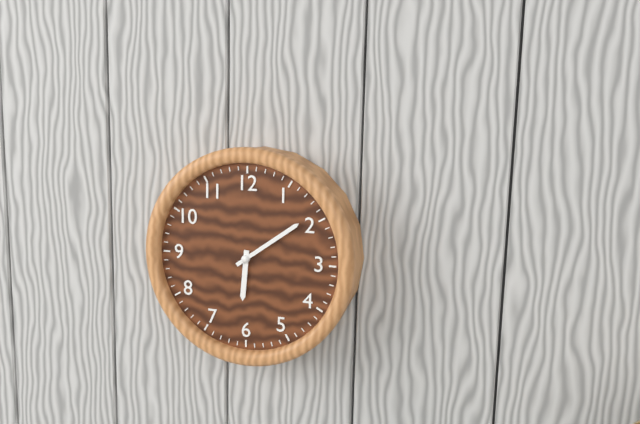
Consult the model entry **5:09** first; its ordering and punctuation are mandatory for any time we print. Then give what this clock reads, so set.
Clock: **6:09**
